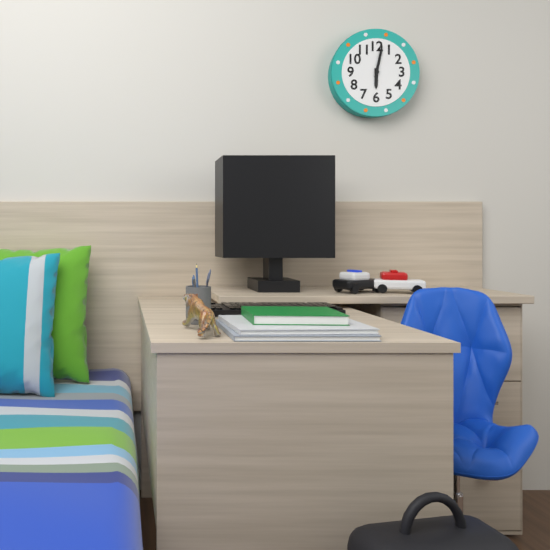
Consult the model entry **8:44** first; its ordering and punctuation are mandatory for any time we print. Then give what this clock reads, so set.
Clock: **6:02**
